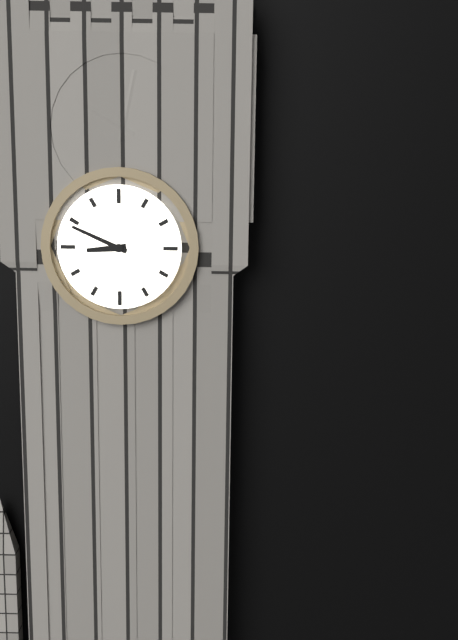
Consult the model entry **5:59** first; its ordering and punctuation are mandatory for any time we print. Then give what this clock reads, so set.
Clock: **8:49**
